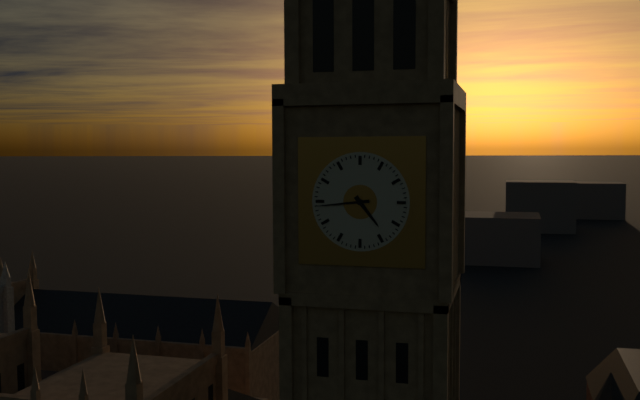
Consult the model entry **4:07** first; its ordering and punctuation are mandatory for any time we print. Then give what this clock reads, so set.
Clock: **4:44**
